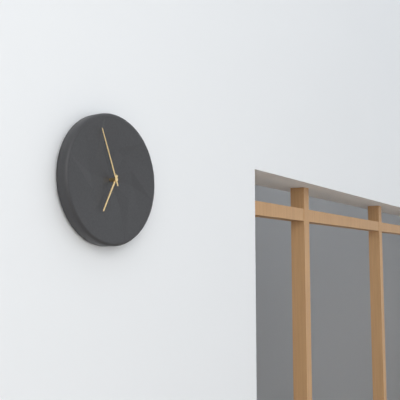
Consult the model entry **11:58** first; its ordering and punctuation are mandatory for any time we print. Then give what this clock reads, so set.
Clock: **6:56**
